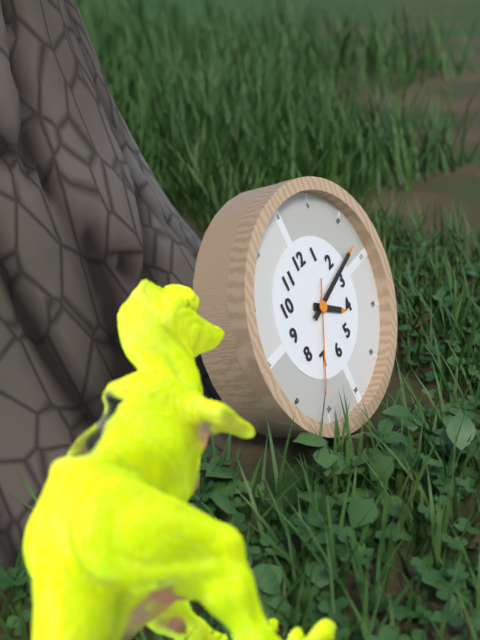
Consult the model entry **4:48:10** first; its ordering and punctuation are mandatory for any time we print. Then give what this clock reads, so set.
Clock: **4:13:36**
